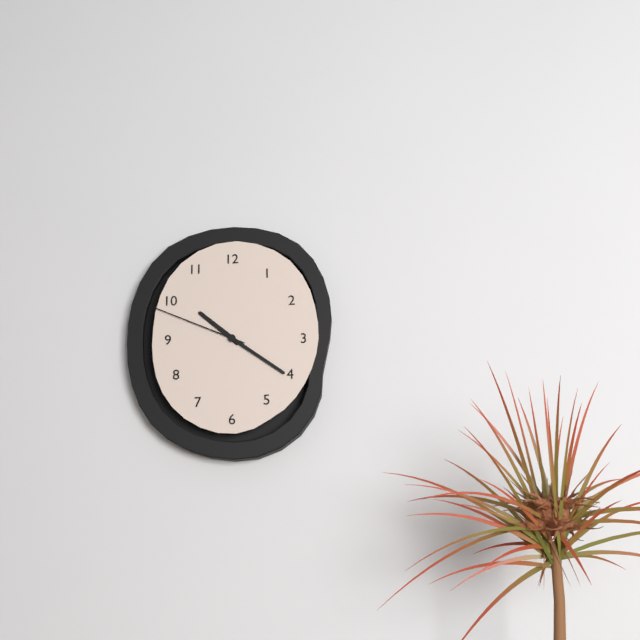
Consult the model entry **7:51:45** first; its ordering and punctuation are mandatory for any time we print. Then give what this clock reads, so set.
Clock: **10:21:49**
